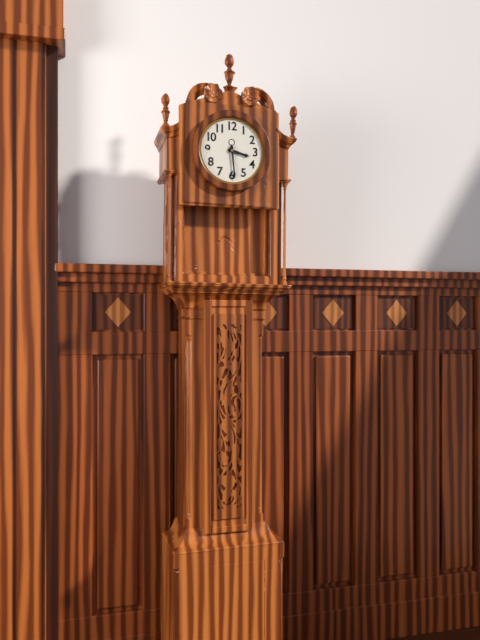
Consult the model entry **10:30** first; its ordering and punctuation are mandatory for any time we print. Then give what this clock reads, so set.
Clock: **3:29**
